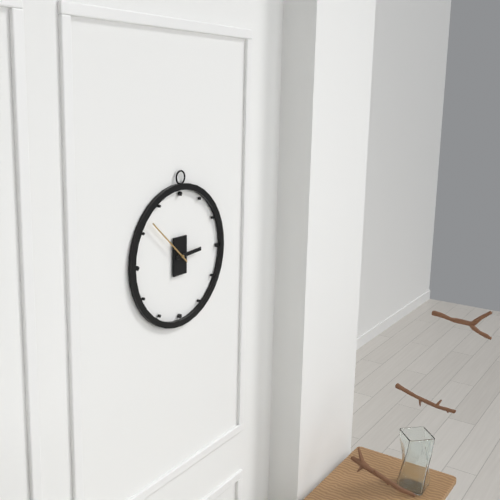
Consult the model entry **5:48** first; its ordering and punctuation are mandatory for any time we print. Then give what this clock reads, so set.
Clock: **2:52**
